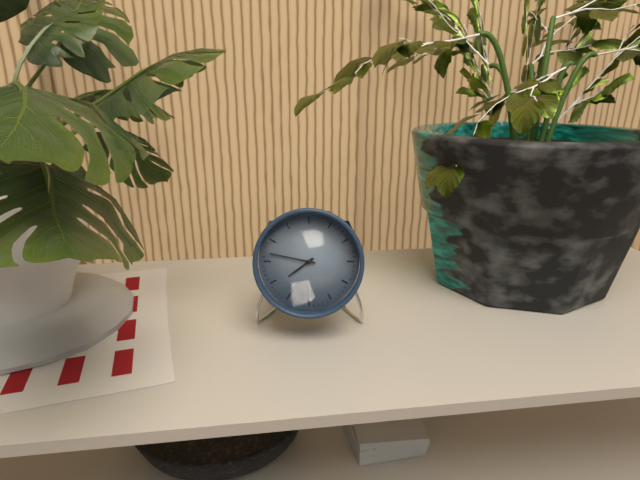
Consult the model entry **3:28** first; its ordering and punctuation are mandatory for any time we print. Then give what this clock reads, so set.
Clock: **7:47**
